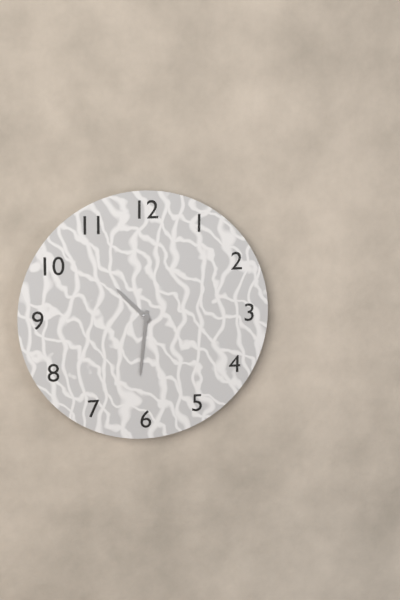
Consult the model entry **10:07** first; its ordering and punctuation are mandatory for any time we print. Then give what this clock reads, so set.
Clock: **10:31**
